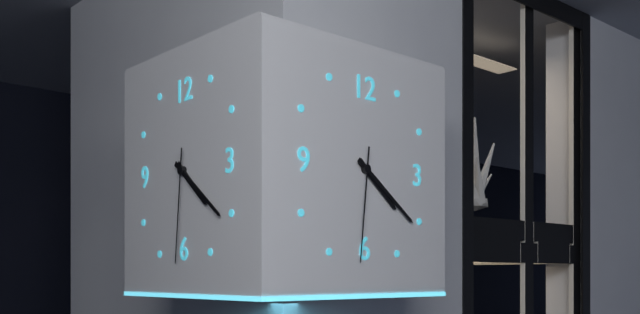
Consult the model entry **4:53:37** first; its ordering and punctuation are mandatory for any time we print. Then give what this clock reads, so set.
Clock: **4:21:31**
